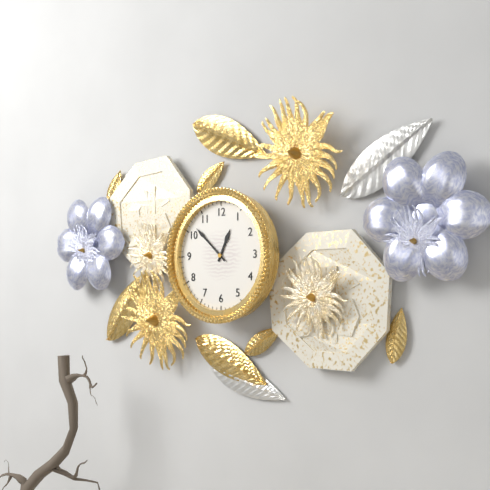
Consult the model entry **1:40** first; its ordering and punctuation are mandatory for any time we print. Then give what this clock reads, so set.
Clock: **12:52**
